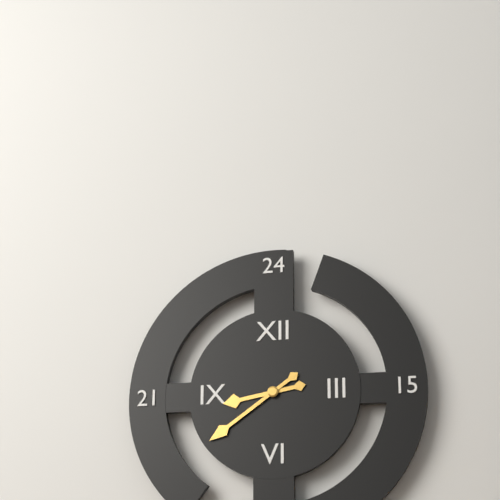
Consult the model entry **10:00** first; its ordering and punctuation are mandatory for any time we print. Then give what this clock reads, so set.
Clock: **8:39**
